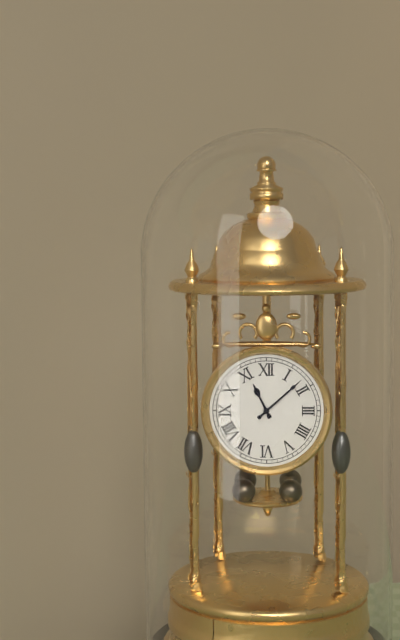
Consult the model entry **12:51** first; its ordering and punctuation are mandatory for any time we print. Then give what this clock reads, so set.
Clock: **11:08**
